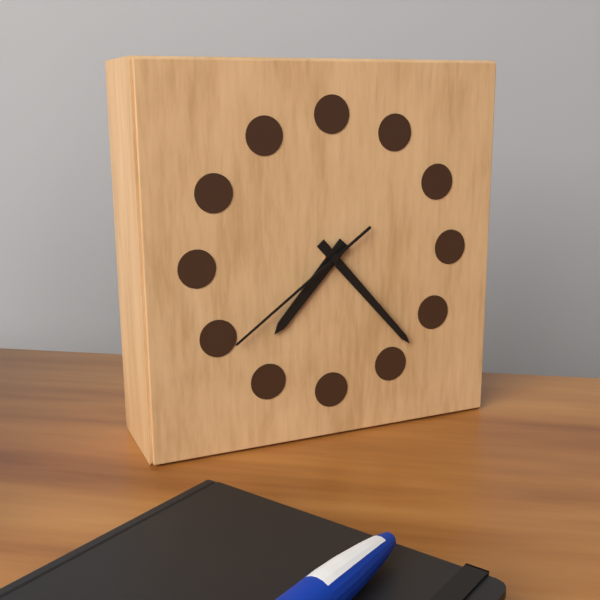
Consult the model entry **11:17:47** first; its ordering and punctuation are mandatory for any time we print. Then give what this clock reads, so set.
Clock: **7:23:39**
